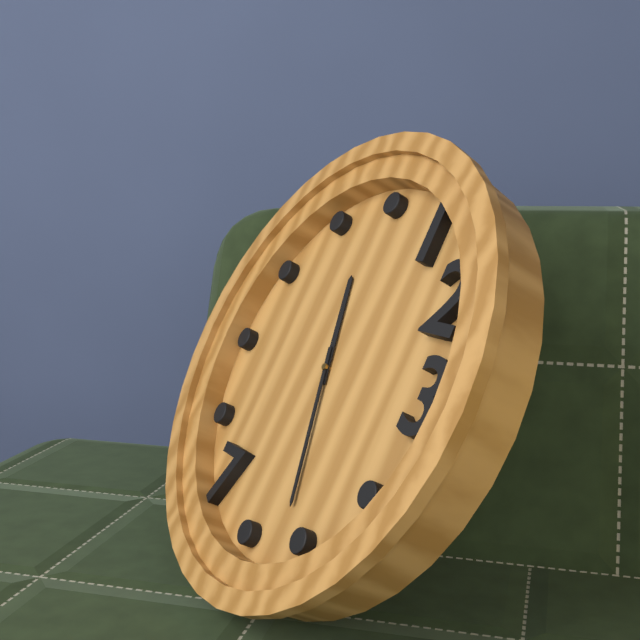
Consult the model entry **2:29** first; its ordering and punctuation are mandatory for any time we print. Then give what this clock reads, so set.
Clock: **11:27**
